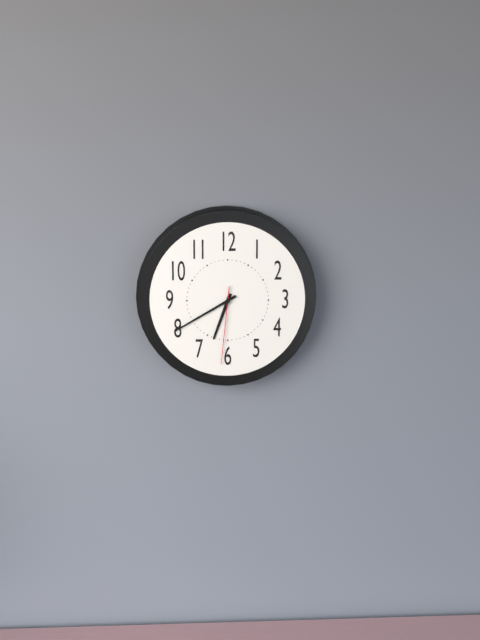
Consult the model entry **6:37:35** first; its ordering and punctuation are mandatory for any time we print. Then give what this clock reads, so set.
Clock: **6:40:31**
